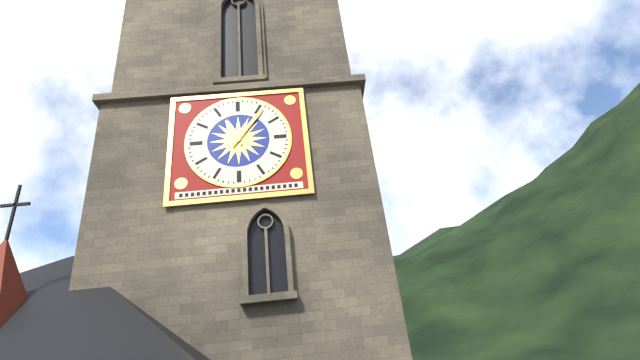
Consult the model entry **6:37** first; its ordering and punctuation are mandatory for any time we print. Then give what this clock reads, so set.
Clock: **11:06**
